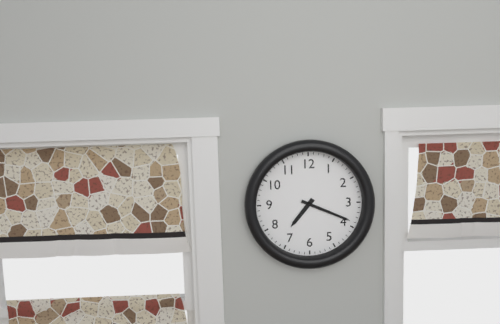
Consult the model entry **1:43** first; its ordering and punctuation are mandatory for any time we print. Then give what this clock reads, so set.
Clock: **7:19**
